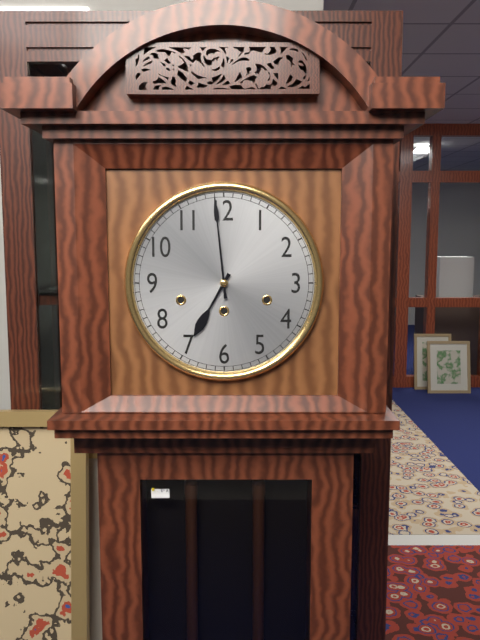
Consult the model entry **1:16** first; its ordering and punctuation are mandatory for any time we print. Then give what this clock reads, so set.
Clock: **6:59**
